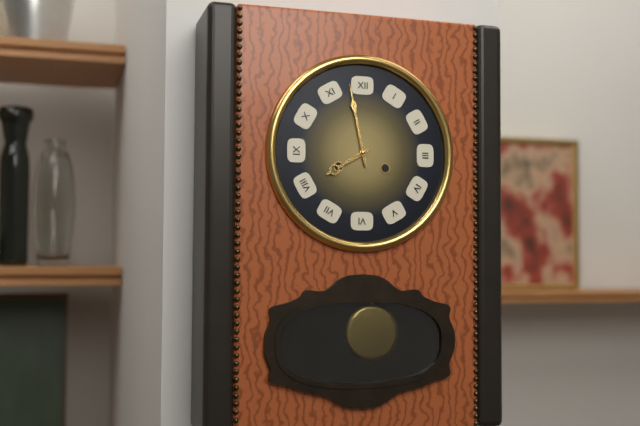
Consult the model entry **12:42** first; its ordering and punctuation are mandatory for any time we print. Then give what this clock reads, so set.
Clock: **7:58**
